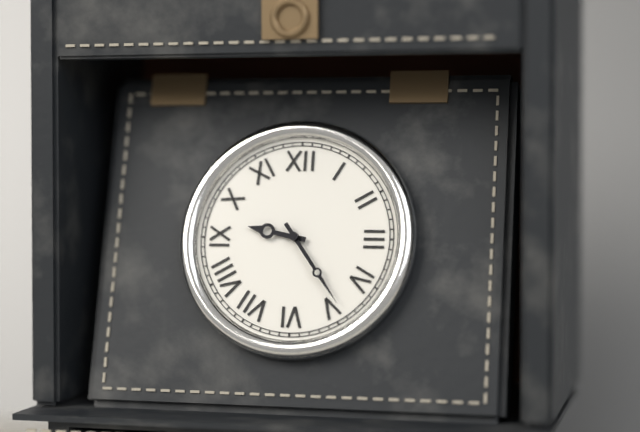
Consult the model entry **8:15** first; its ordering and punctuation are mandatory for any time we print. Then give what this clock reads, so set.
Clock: **9:24**
